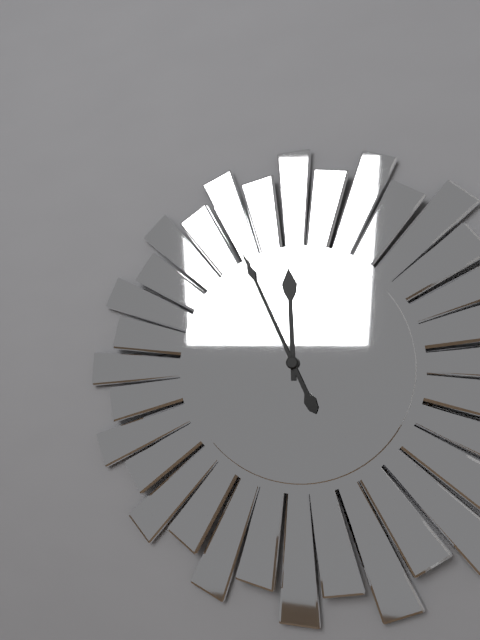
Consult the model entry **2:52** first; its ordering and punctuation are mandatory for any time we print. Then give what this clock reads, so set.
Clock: **11:56**
